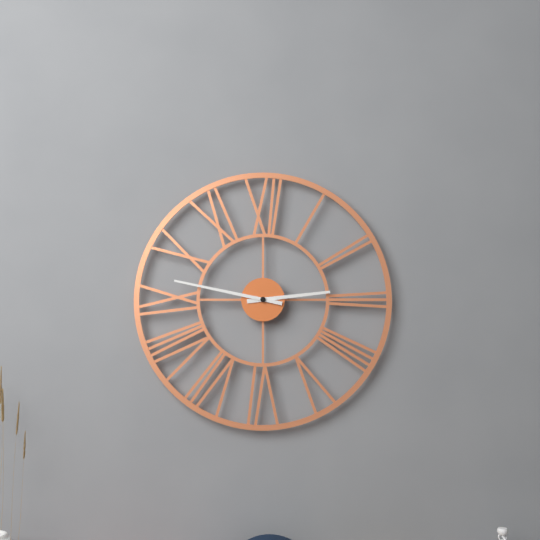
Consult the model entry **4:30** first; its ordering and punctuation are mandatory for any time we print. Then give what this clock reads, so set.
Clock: **2:47**
